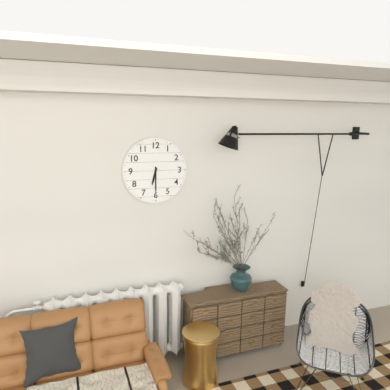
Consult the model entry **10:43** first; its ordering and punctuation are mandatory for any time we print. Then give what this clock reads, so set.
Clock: **6:30**
